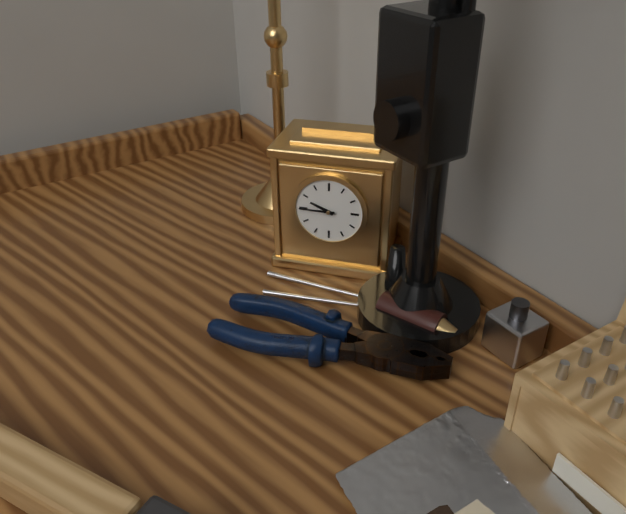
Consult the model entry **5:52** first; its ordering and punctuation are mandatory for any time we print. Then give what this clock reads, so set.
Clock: **9:45**
